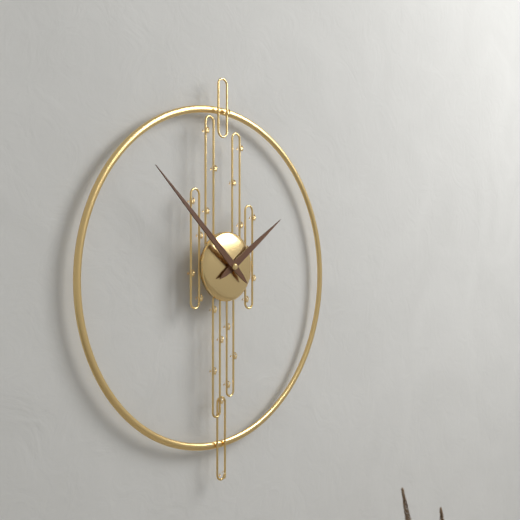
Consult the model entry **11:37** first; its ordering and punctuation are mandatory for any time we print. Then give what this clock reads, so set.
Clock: **1:52**
